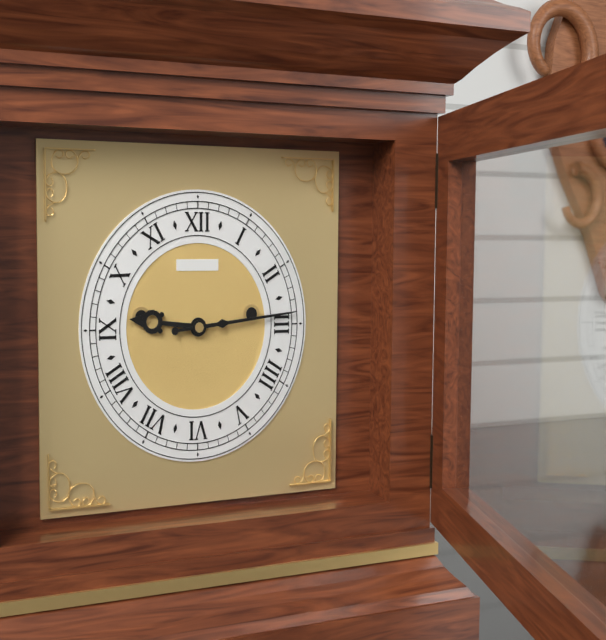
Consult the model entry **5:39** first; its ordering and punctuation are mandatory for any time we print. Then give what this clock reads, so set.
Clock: **9:14**
